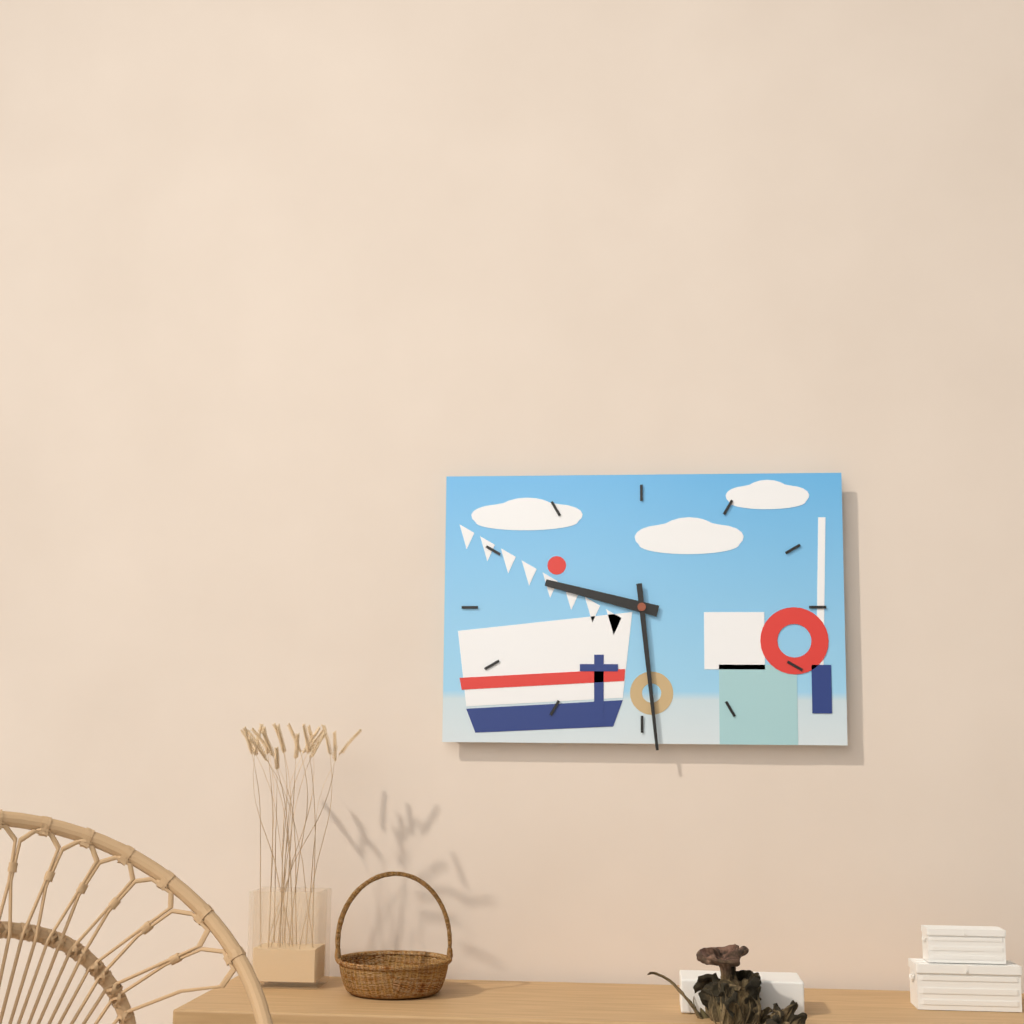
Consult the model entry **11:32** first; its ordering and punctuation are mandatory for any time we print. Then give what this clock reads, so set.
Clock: **9:29**
